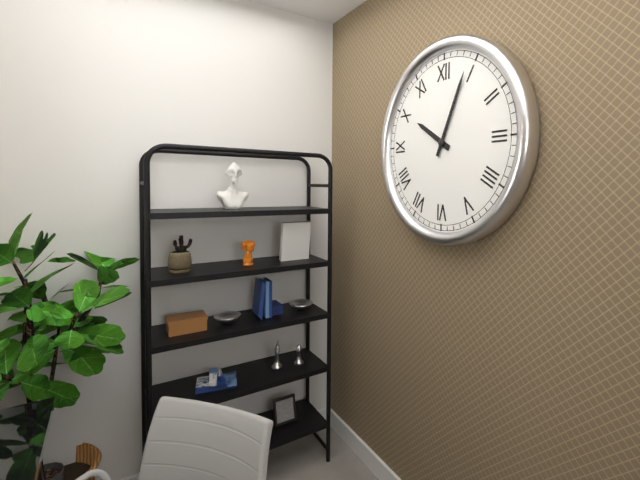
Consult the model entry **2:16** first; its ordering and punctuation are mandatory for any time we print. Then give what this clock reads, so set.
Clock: **10:04**
